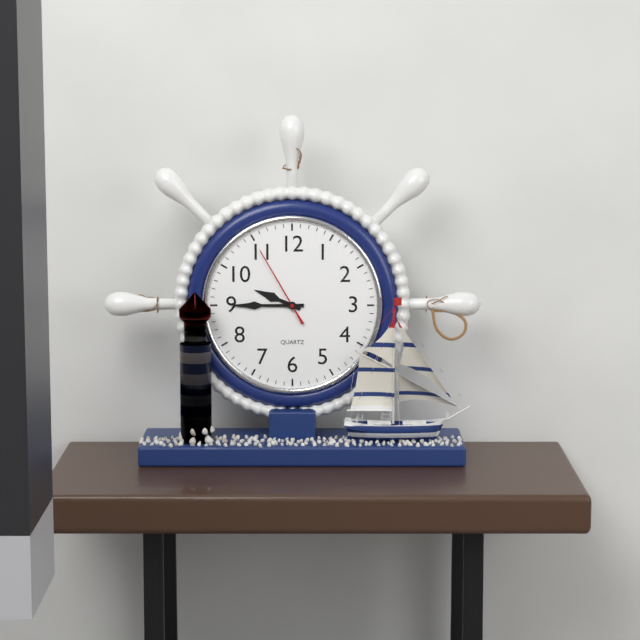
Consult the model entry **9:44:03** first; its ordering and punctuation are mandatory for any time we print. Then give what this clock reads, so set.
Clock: **9:45:55**
